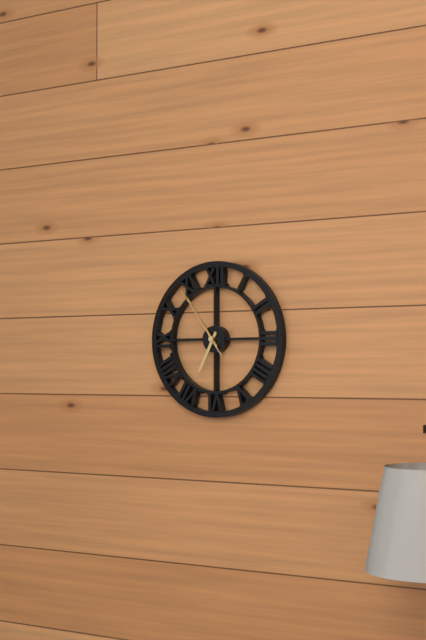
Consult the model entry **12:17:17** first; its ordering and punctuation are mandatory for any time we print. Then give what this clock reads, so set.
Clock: **6:54:54**
